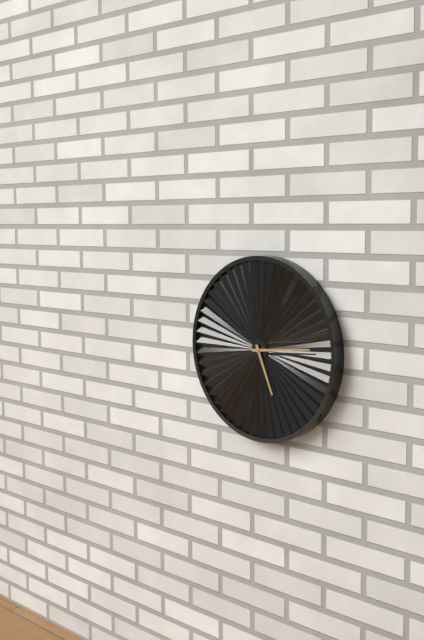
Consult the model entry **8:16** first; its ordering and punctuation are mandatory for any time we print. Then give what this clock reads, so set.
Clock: **5:14**
